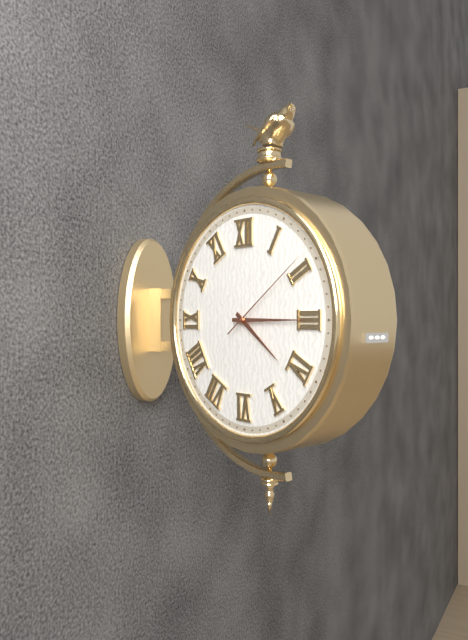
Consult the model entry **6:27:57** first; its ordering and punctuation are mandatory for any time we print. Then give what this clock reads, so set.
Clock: **4:15:09**
